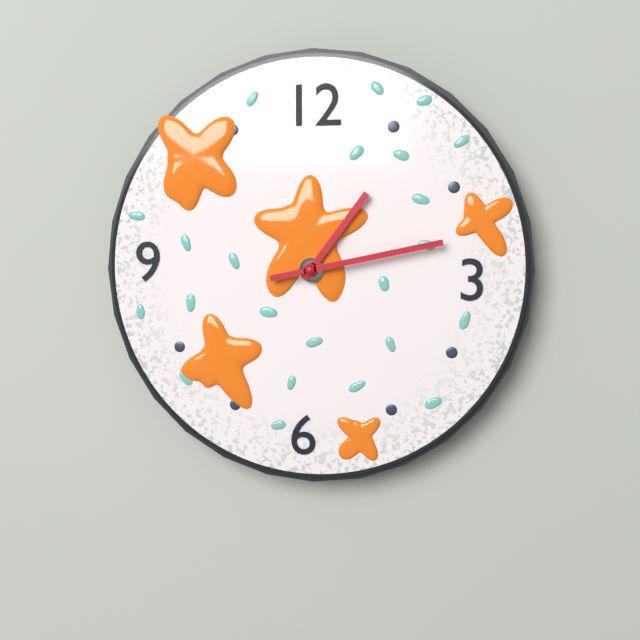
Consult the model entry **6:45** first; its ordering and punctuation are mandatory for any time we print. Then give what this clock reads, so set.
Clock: **1:13**
